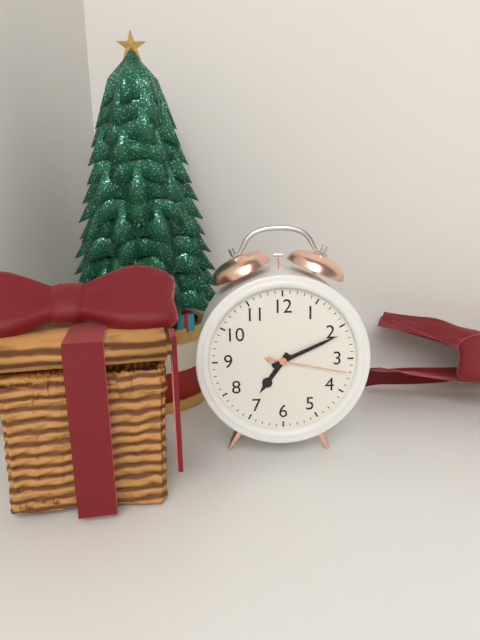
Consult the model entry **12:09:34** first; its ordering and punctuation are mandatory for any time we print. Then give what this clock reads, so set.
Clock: **7:11:17**
